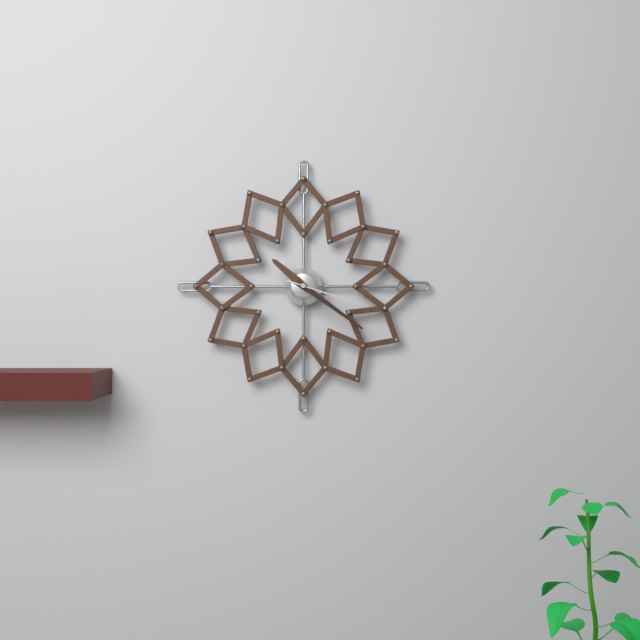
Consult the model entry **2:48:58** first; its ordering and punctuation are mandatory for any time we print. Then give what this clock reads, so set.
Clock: **10:21:18**
